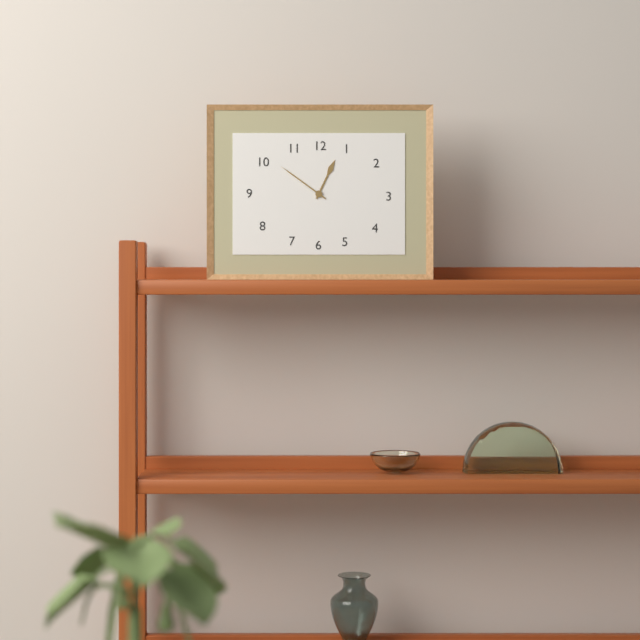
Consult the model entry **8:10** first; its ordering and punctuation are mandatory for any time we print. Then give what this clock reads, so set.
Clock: **12:51**
